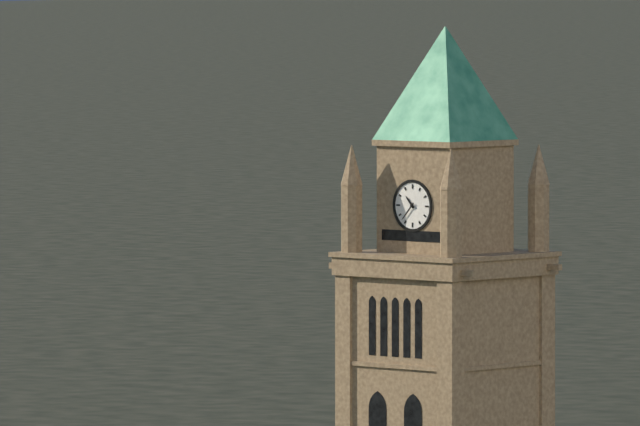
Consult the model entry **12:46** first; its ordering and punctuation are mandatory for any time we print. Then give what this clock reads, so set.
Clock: **10:37**
